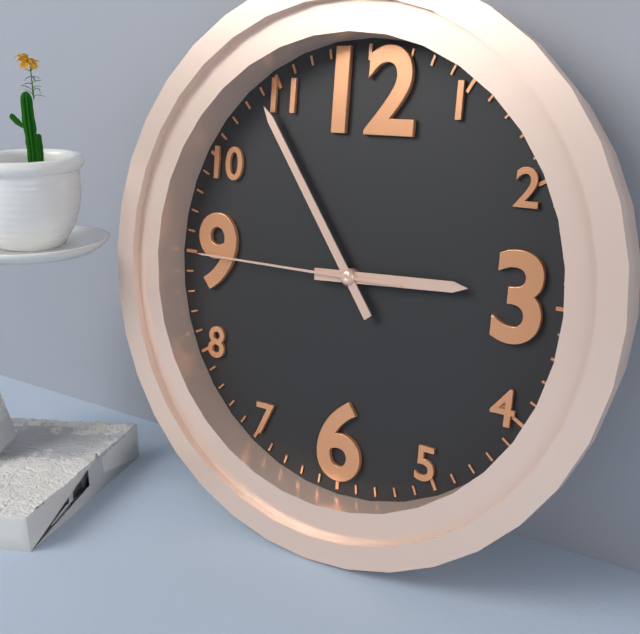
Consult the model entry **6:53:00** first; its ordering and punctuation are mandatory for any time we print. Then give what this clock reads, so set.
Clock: **2:54:45**
